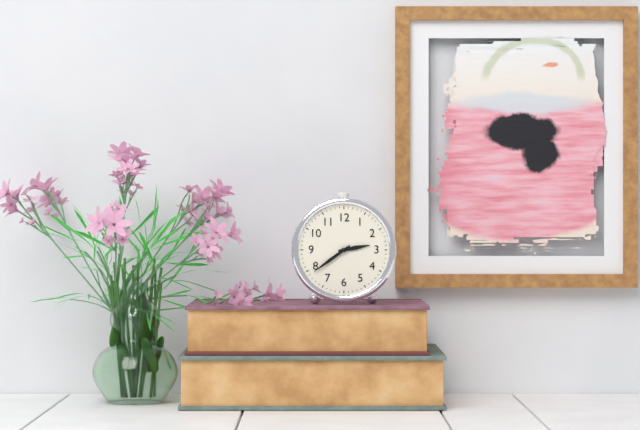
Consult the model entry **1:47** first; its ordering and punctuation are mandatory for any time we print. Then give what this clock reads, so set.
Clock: **2:39**
